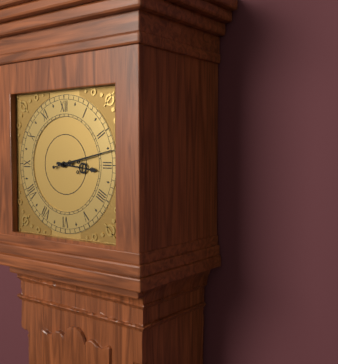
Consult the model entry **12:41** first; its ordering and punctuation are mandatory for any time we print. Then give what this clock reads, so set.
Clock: **3:13**
